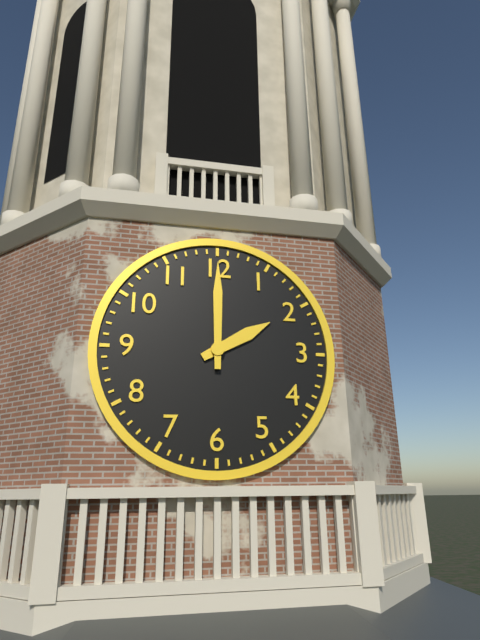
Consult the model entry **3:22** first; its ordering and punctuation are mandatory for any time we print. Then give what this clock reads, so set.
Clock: **2:00**
